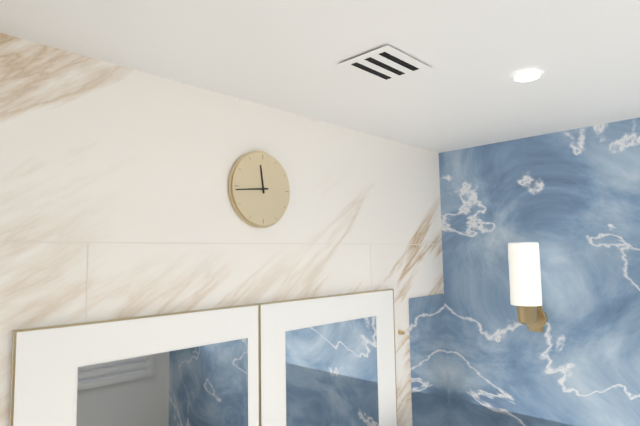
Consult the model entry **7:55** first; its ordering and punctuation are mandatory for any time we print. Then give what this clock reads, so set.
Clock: **11:44**
